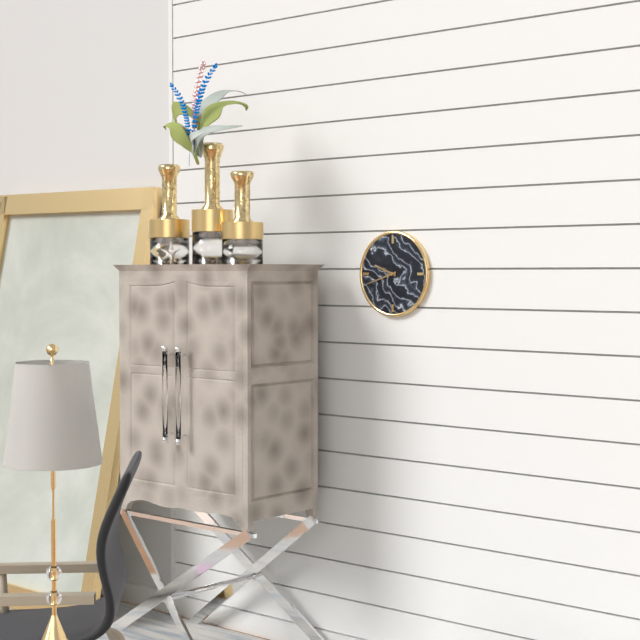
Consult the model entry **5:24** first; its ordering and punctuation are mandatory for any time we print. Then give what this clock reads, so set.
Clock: **9:42**
